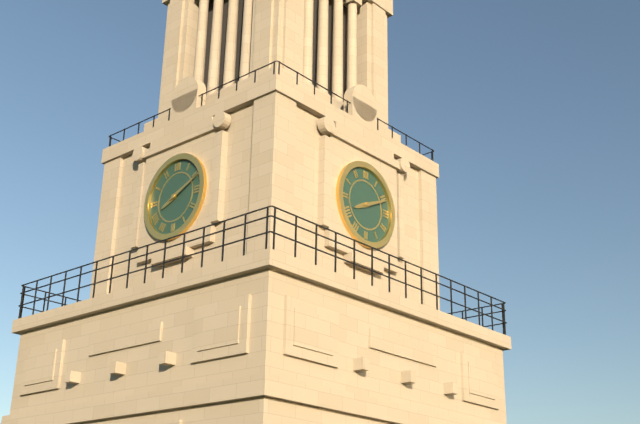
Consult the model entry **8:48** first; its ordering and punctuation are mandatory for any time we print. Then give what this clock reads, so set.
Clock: **8:11**
